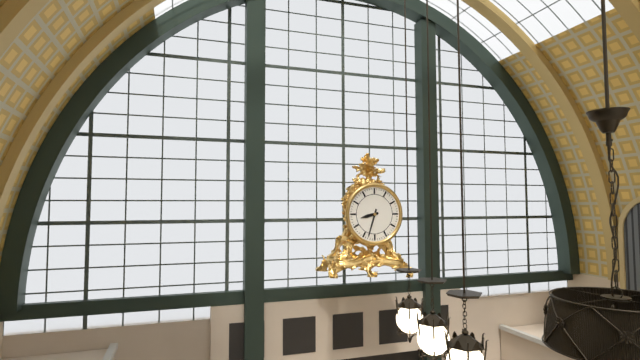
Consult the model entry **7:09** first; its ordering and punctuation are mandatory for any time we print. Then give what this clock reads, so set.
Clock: **8:33**
